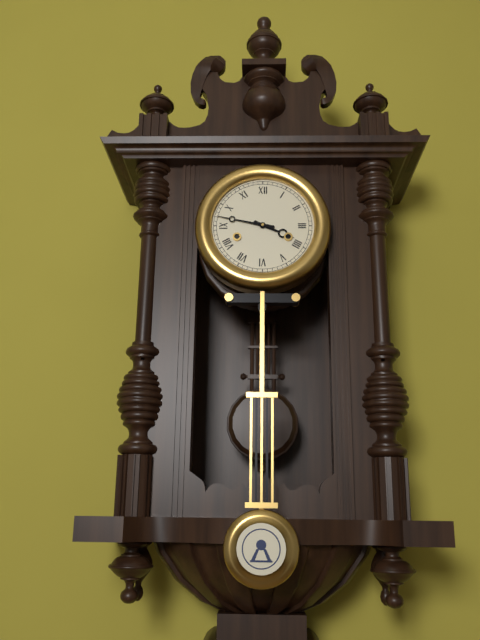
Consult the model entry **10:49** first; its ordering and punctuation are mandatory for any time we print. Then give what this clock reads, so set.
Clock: **3:47**
